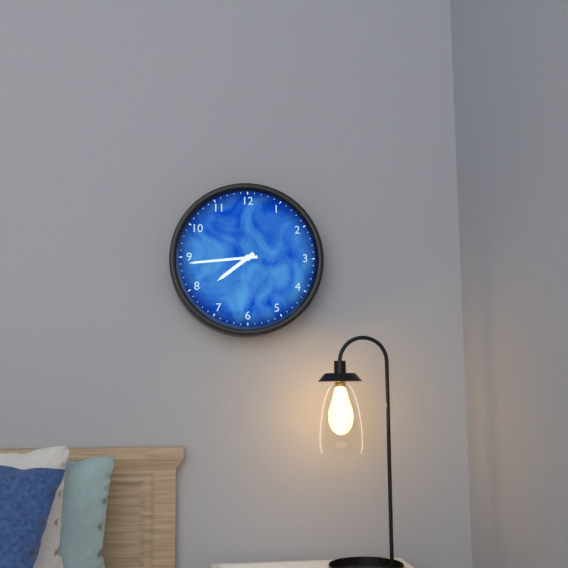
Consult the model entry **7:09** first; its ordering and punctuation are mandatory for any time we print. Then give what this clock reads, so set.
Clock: **7:44**
